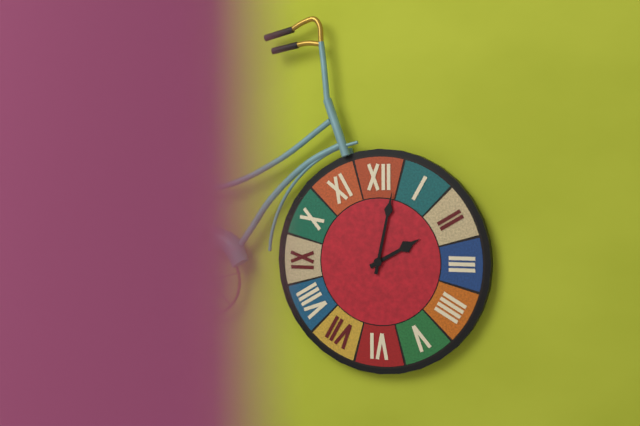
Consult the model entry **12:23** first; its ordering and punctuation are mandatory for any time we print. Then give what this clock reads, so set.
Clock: **2:02**
